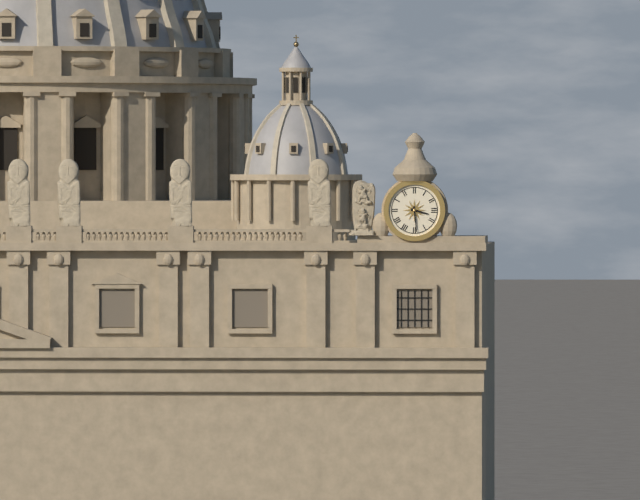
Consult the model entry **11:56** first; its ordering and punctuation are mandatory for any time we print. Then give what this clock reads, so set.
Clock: **3:29**
